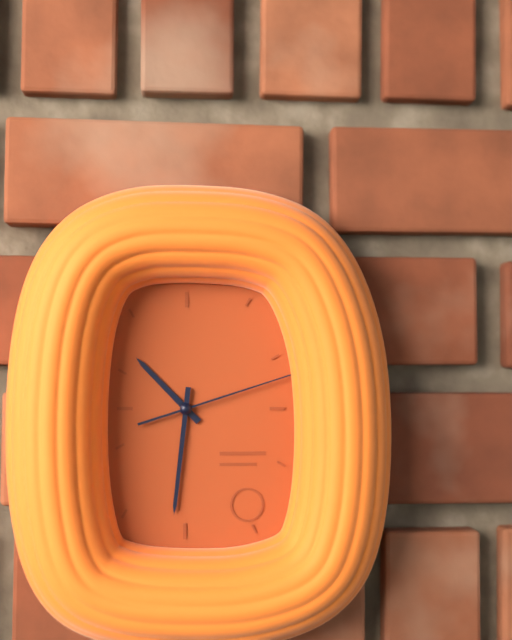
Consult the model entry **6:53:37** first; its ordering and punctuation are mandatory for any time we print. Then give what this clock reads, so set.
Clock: **10:31:12**
